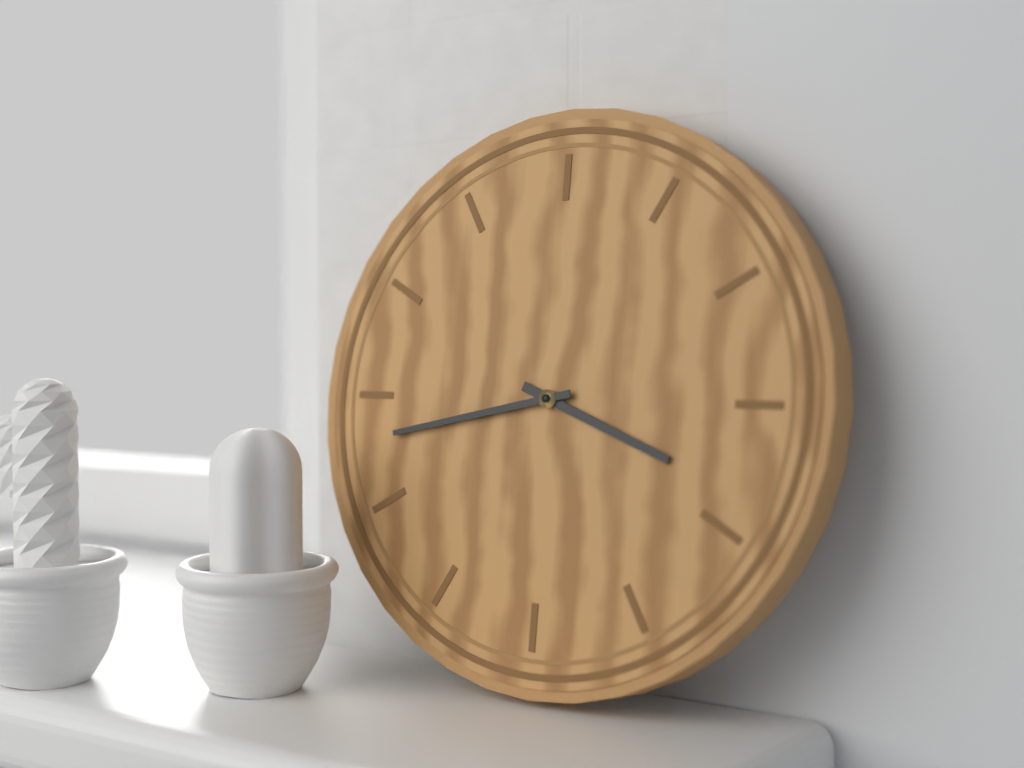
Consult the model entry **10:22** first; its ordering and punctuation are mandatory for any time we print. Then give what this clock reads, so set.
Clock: **3:43**
